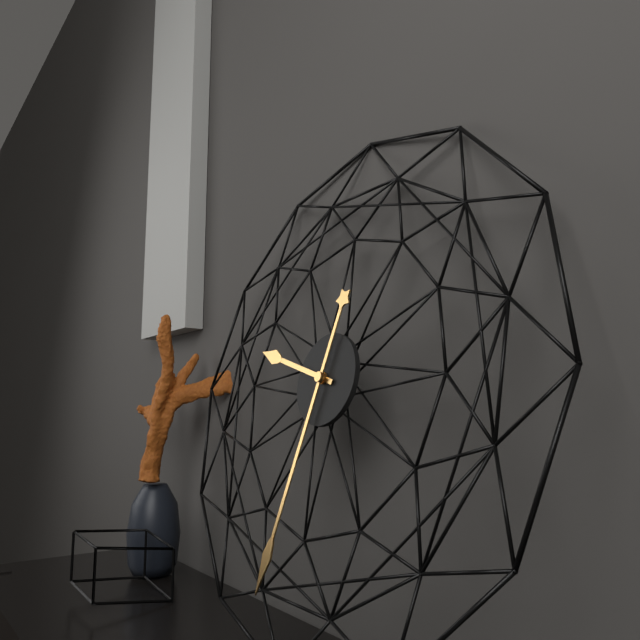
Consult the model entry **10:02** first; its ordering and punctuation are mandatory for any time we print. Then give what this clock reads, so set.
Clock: **9:32**
